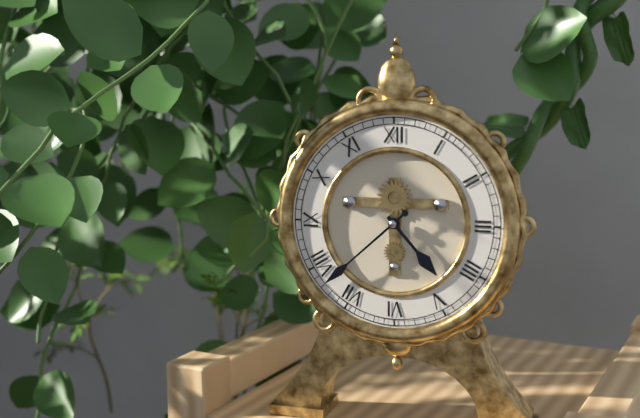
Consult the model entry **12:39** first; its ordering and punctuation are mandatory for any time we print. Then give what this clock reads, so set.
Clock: **4:38**
